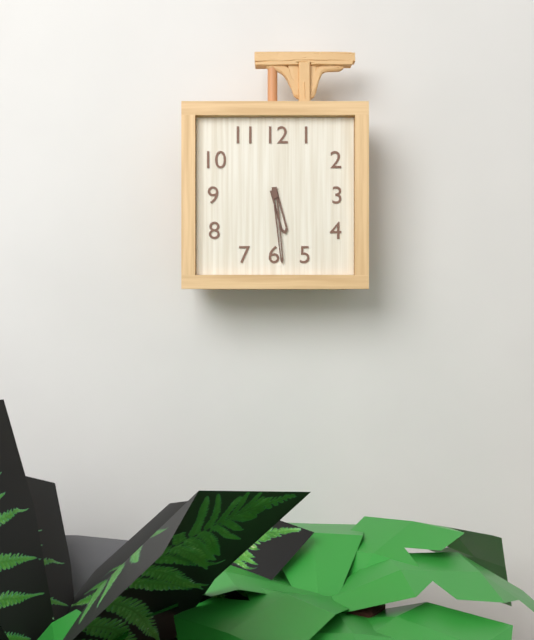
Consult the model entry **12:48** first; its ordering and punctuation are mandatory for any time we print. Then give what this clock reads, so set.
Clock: **5:29**
